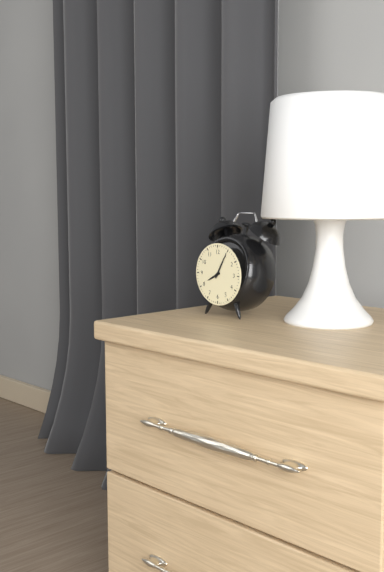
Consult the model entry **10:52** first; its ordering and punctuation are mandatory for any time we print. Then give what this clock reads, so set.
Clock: **8:05**
